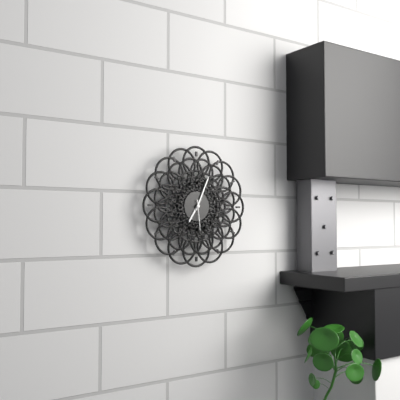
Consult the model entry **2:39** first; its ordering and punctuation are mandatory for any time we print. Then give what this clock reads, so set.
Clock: **7:04**
